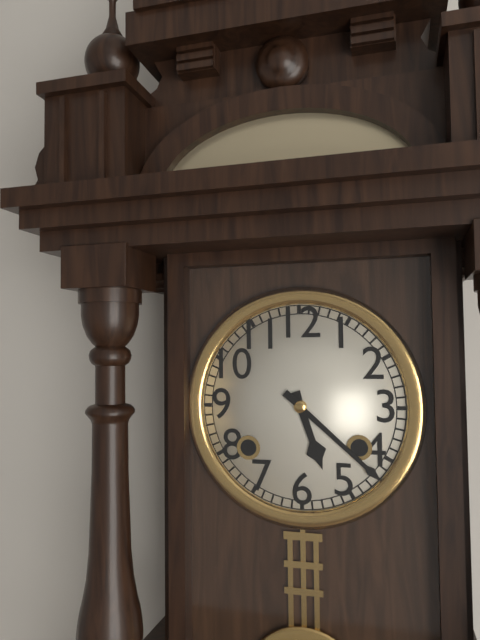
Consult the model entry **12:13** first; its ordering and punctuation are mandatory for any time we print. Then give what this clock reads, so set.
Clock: **5:22**
